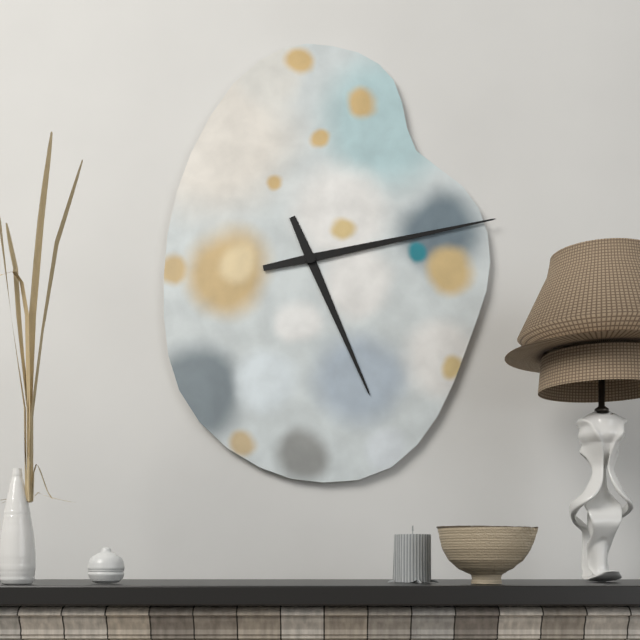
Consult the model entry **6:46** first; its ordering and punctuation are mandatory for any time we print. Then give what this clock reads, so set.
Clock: **5:13**
